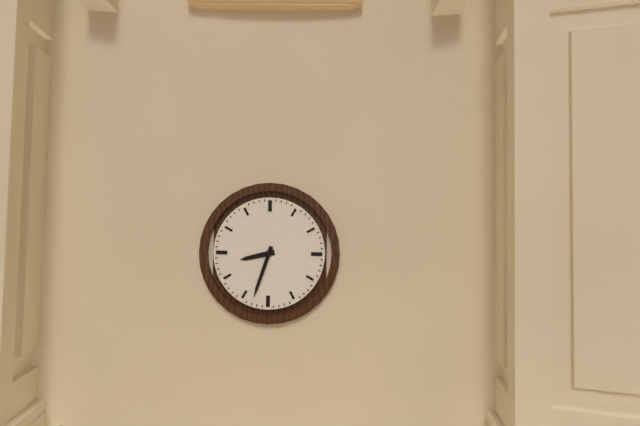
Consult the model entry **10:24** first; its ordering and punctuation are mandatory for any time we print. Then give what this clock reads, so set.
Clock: **8:33**
